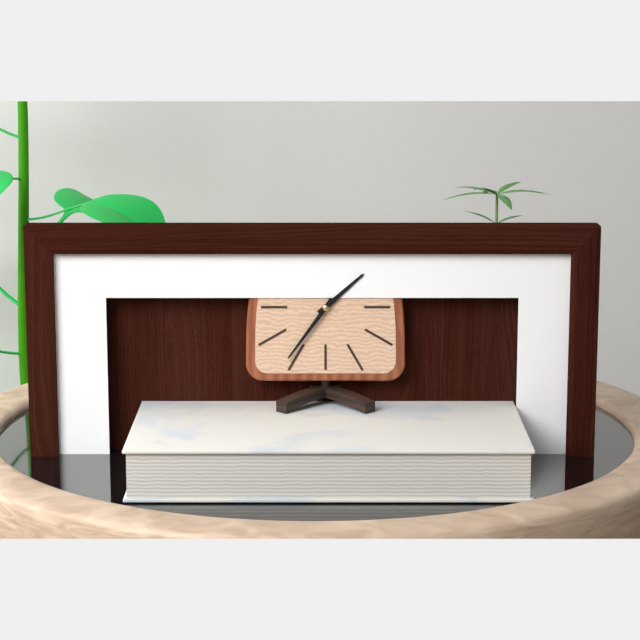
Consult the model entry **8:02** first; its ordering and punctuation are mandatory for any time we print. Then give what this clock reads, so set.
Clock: **1:36**
